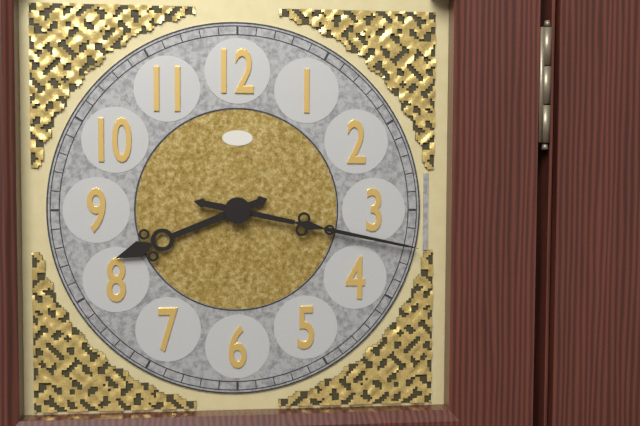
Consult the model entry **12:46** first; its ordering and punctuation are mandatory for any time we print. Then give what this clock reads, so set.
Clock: **8:17**
